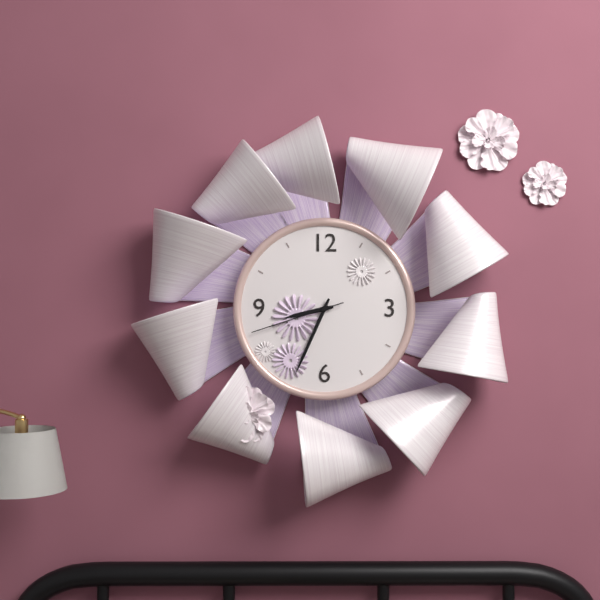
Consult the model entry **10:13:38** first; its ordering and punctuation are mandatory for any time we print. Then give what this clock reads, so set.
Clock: **8:34:42**
